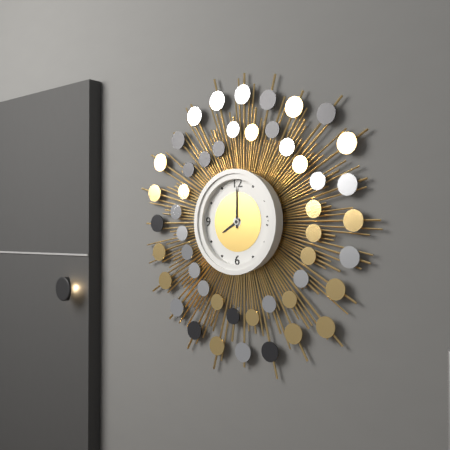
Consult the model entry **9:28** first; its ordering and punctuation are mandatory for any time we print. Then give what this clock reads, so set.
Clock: **8:00**
